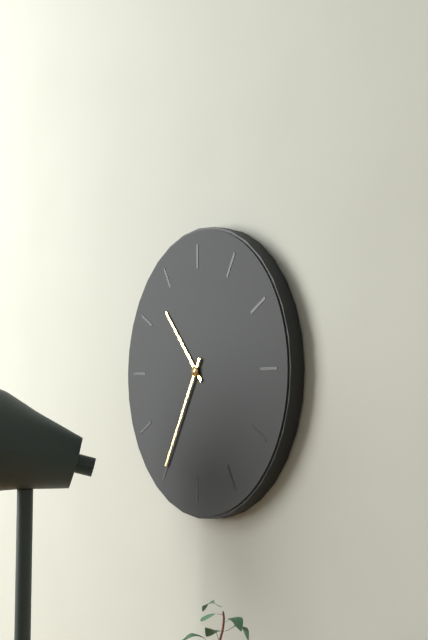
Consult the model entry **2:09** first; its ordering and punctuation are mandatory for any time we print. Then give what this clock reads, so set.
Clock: **10:35**
